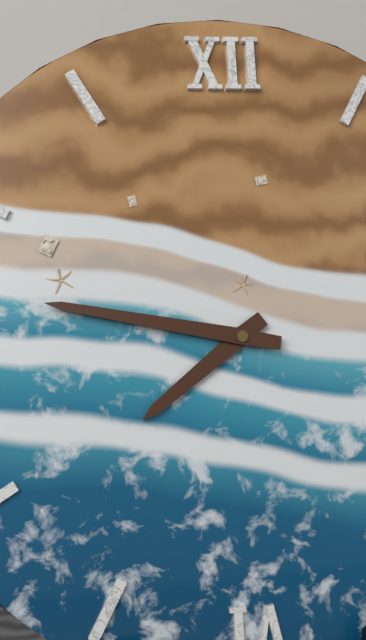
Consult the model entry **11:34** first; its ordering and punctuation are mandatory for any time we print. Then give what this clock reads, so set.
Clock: **7:47**
